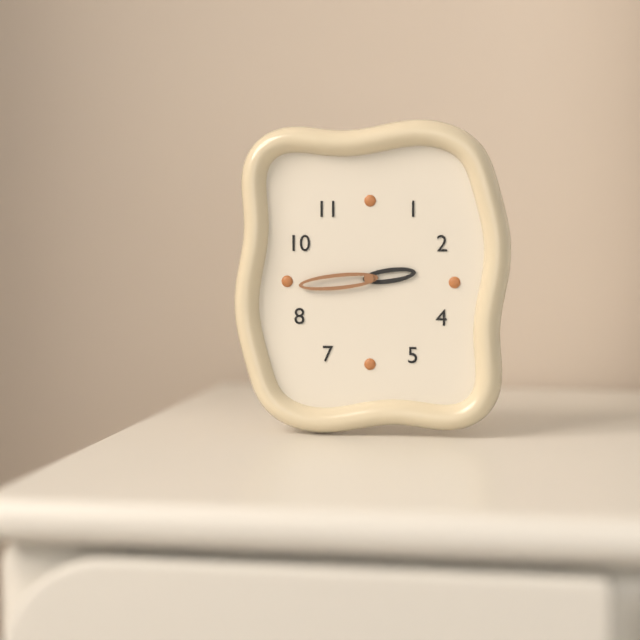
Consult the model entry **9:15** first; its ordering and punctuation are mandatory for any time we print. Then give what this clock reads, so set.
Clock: **2:44**
